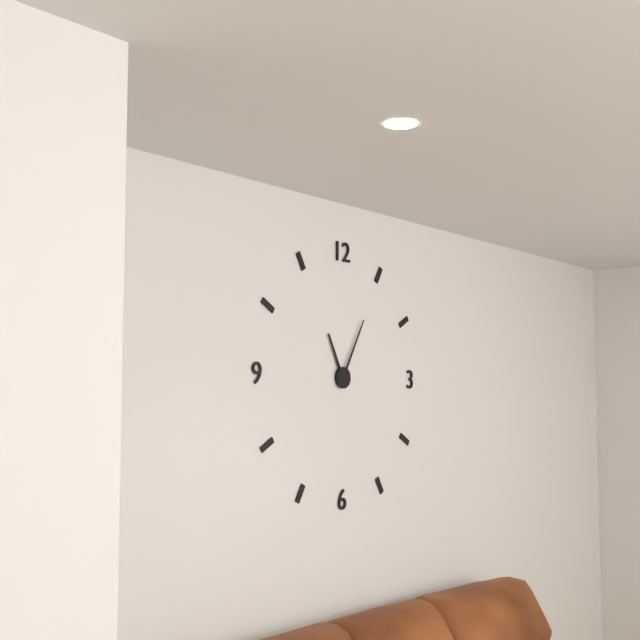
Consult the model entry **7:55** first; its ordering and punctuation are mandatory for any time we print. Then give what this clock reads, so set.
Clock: **11:05**
